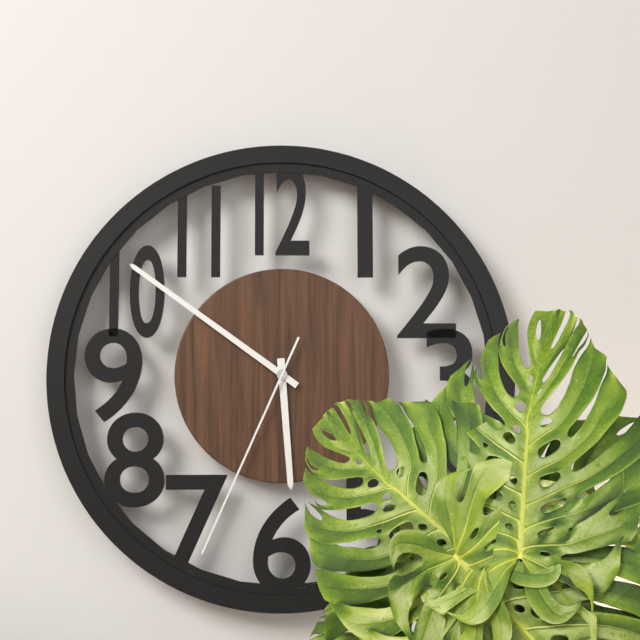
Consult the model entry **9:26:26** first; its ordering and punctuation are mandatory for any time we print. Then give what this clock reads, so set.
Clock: **5:51:34**
